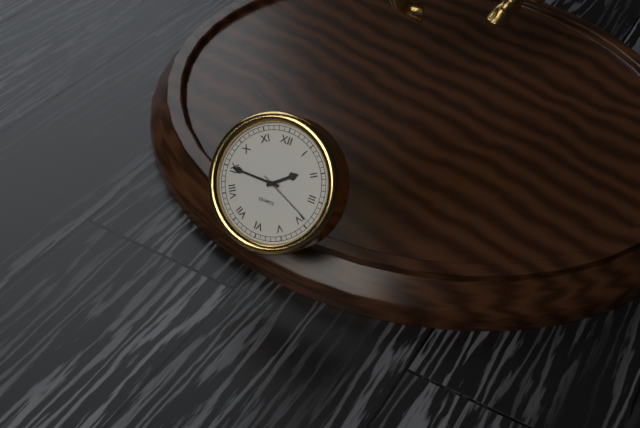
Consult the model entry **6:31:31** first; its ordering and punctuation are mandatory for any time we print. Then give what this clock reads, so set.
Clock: **1:45:19**
